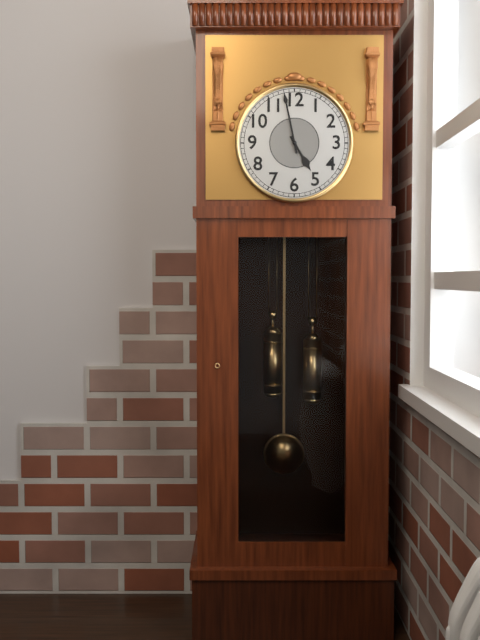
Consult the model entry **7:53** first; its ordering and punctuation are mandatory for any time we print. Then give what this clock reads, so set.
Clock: **4:58**
